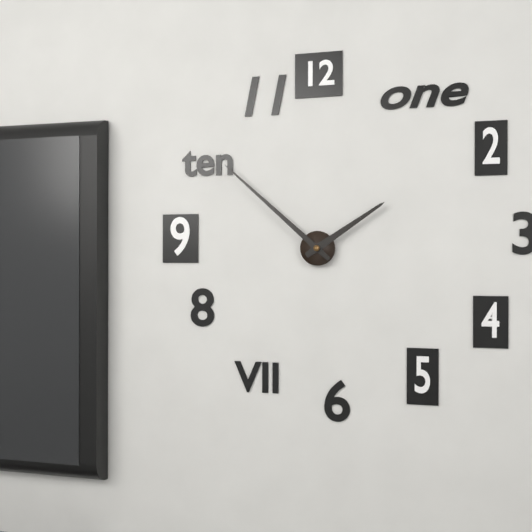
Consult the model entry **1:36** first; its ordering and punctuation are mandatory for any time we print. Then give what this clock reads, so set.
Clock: **1:52**
